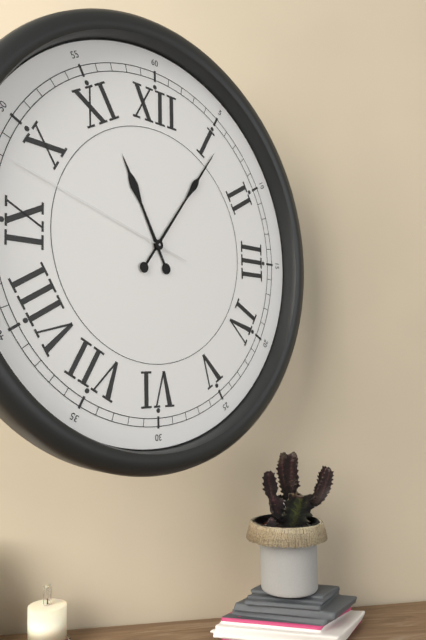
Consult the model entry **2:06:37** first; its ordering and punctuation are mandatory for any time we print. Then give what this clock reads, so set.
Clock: **11:06:48**
